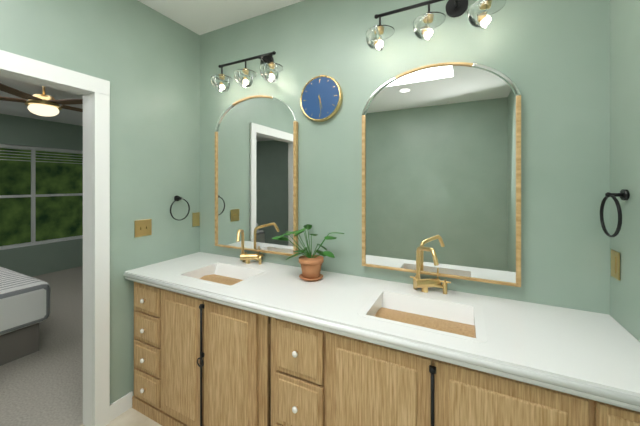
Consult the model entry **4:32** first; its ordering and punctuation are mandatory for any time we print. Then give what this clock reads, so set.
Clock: **5:29**
